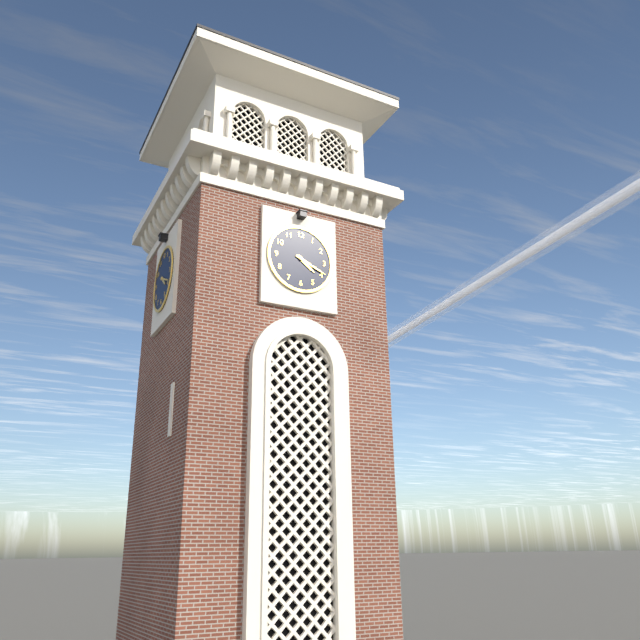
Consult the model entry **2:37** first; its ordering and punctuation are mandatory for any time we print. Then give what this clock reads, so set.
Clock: **4:19**
